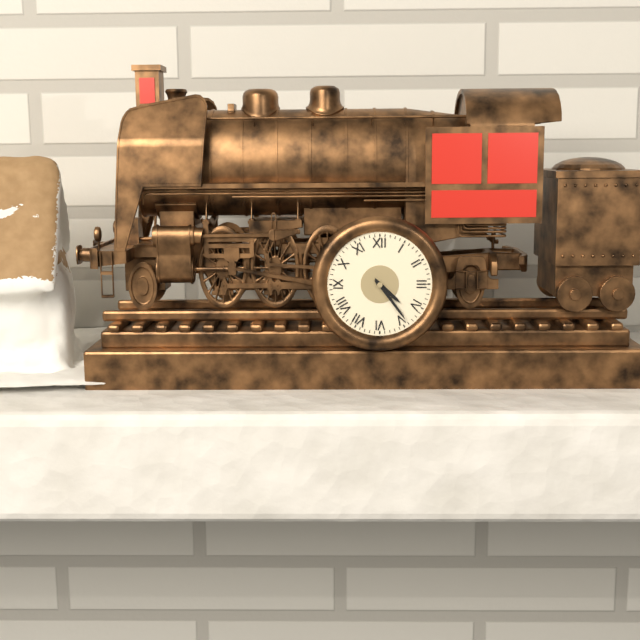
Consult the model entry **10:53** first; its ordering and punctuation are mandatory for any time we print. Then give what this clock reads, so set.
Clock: **4:24**
